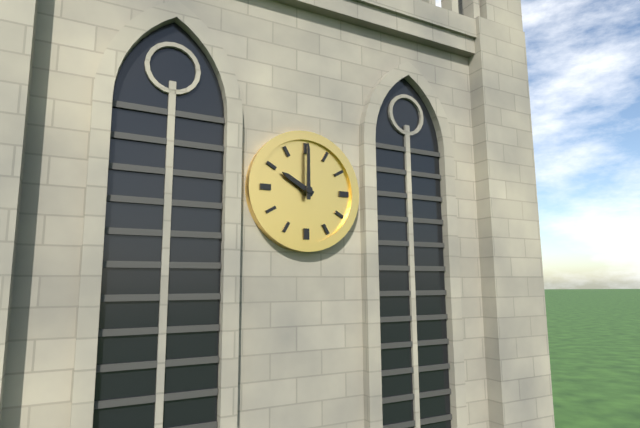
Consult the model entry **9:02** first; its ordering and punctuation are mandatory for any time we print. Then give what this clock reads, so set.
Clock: **10:00**
